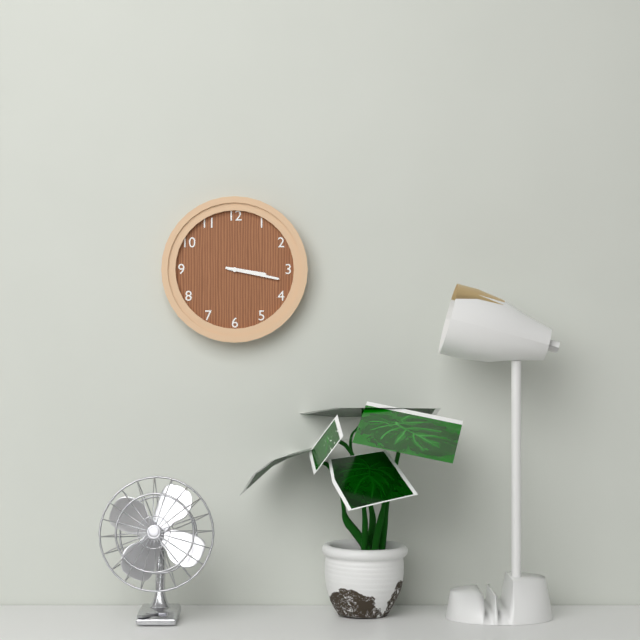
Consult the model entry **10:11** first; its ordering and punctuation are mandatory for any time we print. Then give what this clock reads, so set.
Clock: **3:17**
